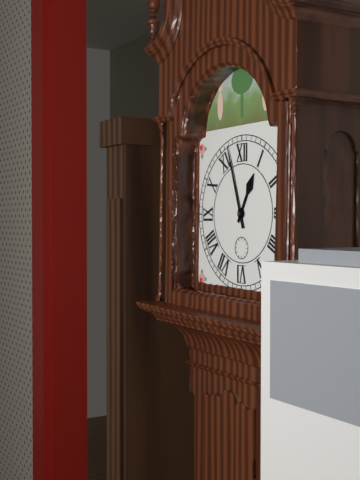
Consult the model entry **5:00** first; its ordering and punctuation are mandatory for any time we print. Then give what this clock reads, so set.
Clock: **12:57**
